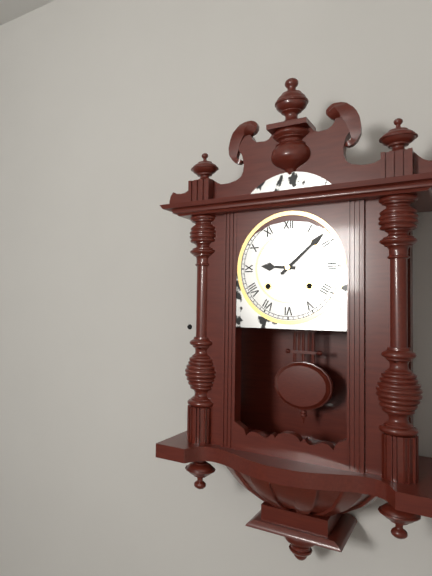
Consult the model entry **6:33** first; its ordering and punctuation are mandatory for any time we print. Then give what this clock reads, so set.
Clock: **9:08**
